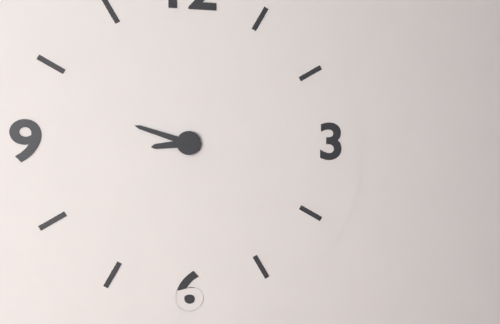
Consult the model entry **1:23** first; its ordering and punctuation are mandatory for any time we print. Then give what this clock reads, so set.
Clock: **8:48**
